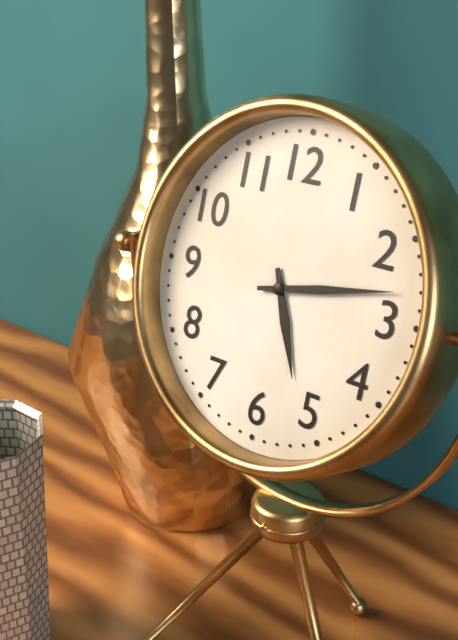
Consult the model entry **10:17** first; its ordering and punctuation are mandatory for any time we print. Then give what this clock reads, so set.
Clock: **5:13**
